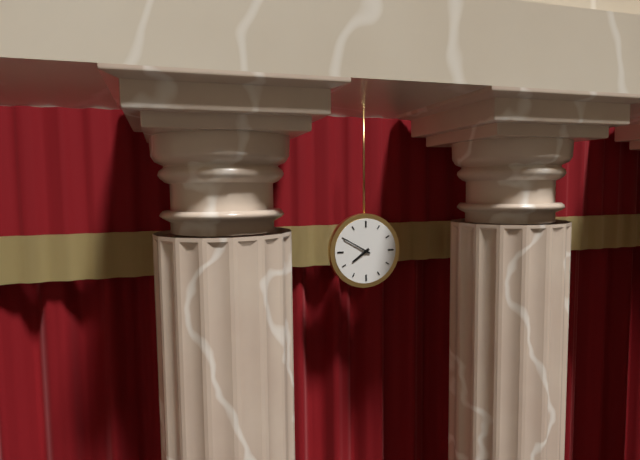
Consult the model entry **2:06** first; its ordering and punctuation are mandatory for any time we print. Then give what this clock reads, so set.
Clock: **7:50**
